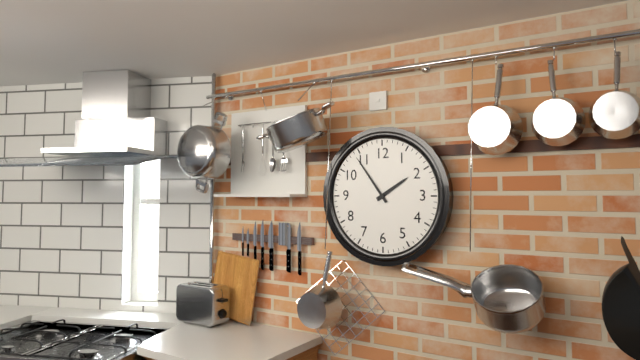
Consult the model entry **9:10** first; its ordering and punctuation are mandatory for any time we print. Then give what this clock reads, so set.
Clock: **1:54**
